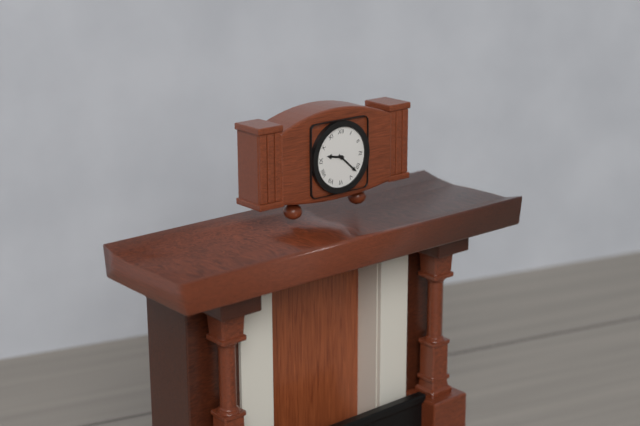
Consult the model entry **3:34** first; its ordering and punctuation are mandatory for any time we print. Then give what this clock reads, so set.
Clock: **9:22**
